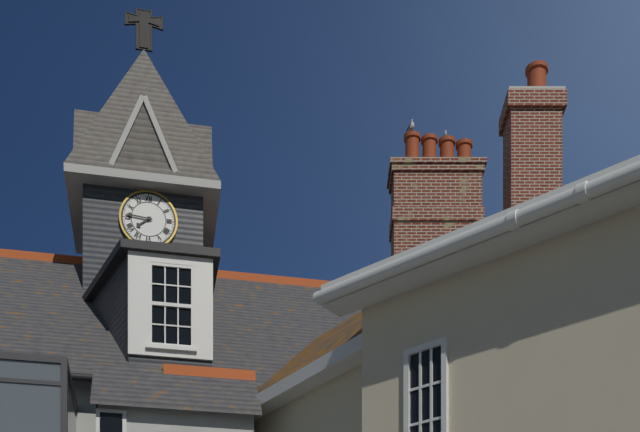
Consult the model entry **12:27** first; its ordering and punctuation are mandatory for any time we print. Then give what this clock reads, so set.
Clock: **7:46**
